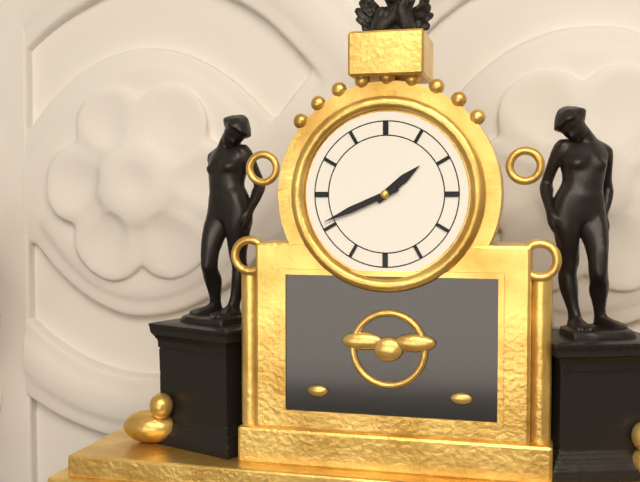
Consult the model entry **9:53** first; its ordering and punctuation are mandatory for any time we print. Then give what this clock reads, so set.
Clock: **1:41**
